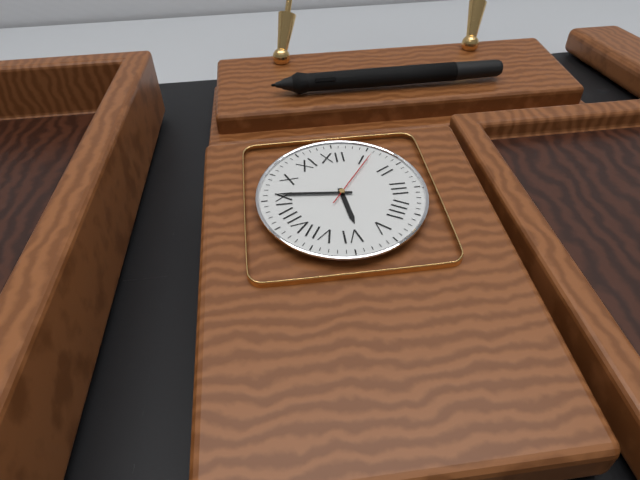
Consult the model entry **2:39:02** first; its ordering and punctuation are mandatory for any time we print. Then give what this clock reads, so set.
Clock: **5:46:06**
